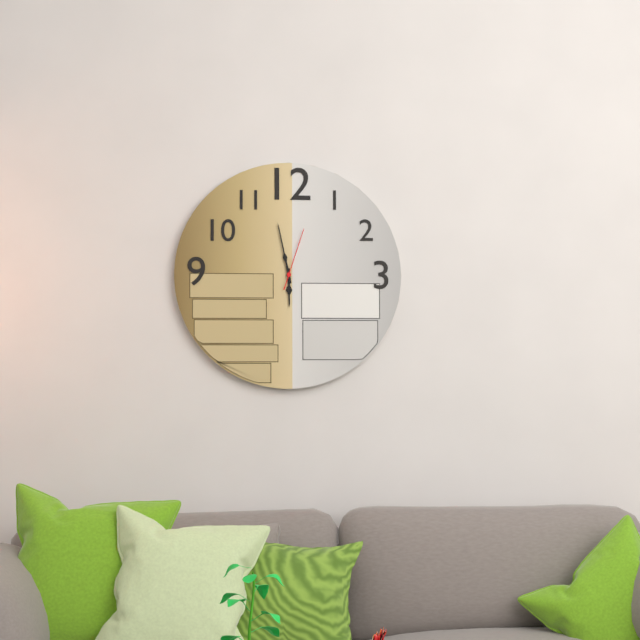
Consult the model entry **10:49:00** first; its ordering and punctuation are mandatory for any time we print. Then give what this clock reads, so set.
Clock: **5:58:03**
